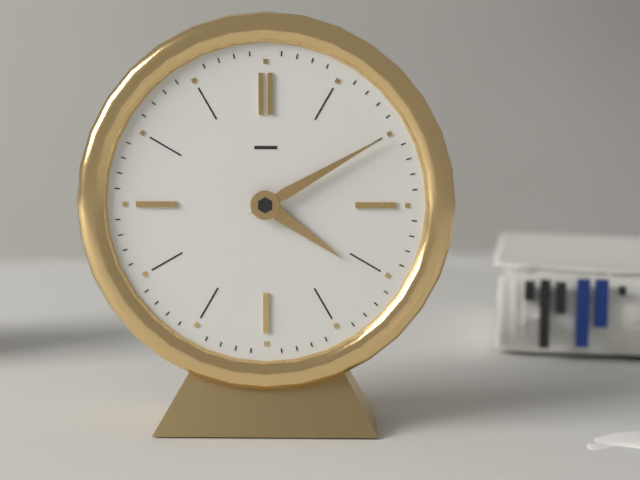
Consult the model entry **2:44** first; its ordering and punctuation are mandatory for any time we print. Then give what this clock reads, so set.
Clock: **4:10**
